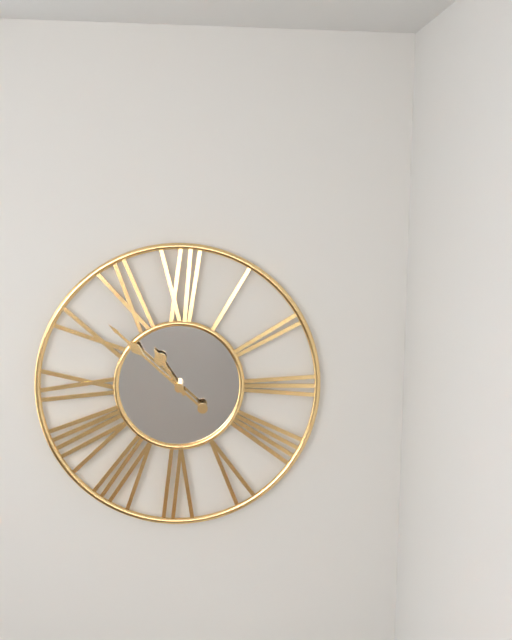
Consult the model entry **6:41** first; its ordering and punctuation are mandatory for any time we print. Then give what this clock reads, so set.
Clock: **10:52**
